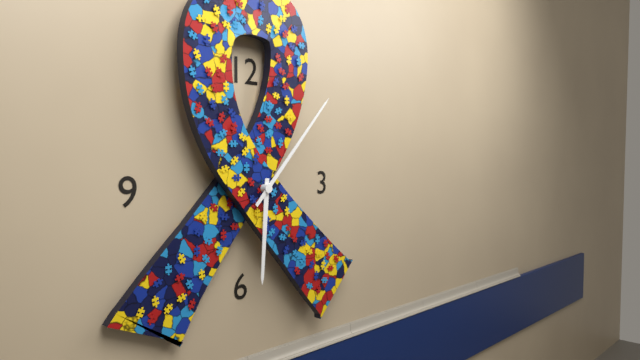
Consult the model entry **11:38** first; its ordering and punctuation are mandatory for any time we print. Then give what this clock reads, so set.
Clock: **6:07**
